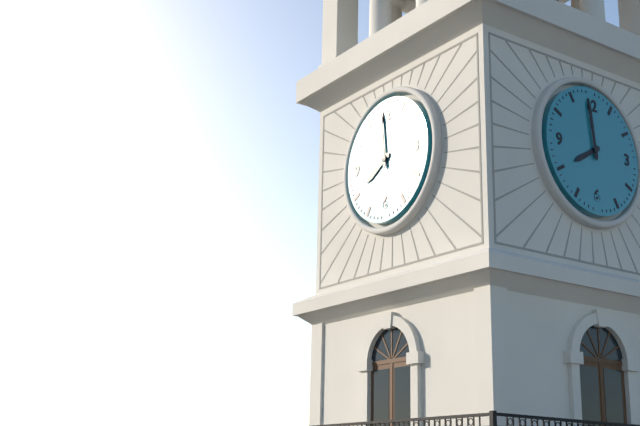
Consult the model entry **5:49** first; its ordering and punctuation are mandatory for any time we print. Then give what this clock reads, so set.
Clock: **7:59**
